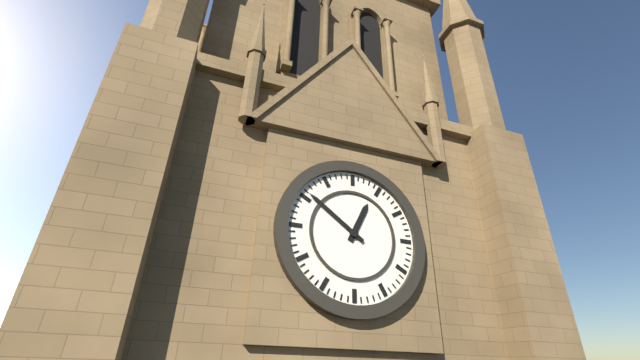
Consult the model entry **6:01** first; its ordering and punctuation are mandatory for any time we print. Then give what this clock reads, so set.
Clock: **12:51**
